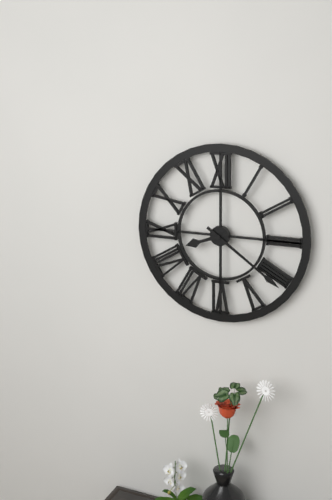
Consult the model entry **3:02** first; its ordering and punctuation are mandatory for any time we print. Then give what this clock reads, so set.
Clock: **8:21**
